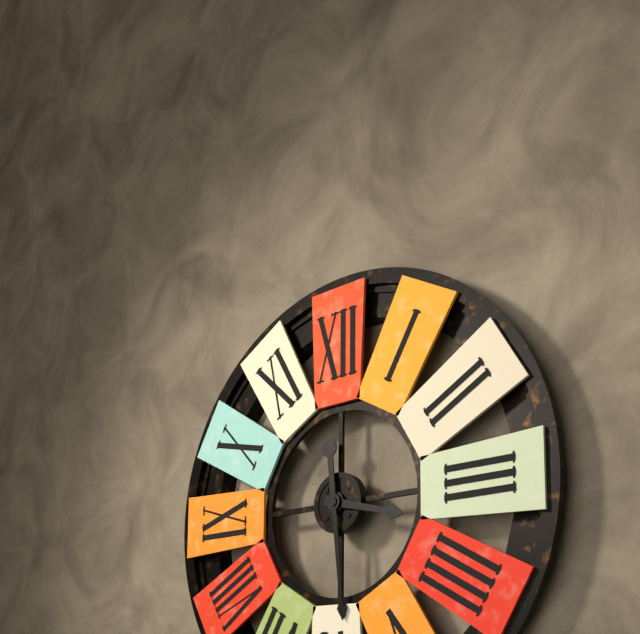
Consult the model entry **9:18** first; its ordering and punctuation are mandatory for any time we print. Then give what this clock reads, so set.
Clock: **3:29**
